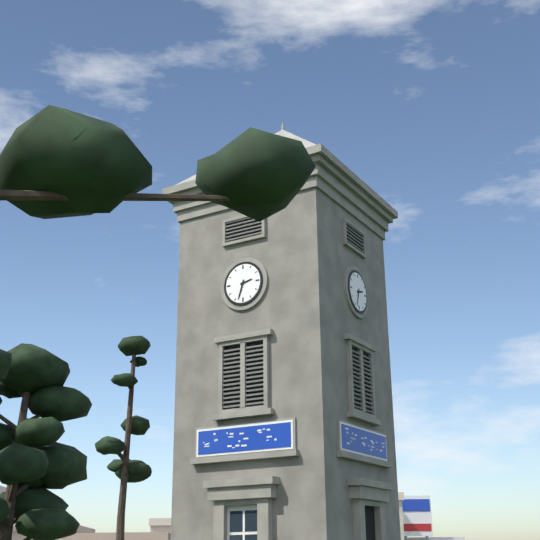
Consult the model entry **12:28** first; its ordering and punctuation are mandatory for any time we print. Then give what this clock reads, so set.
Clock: **2:33**
